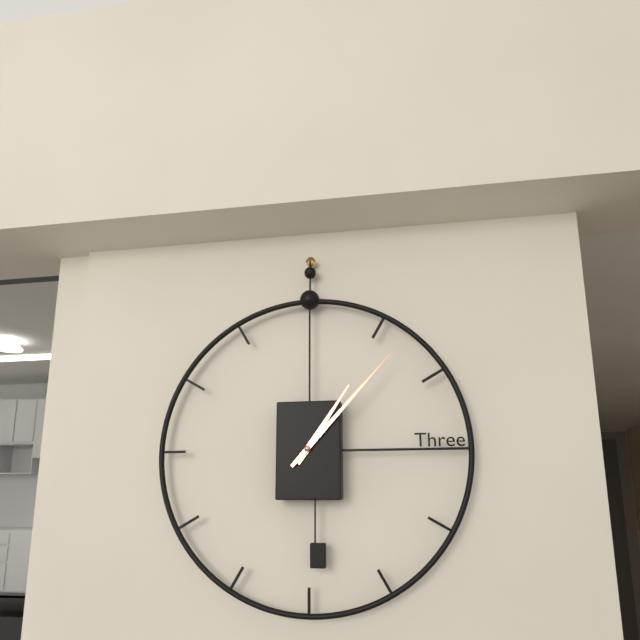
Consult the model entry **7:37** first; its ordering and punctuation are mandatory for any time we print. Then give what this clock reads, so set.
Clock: **1:07**
